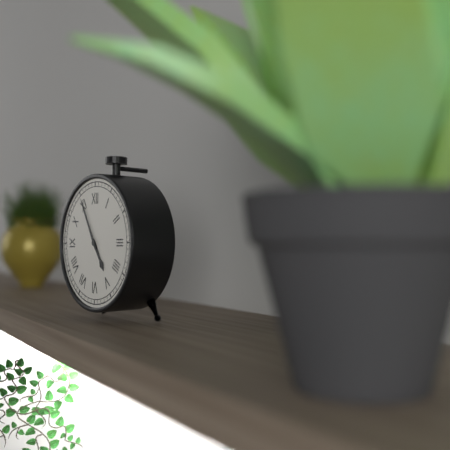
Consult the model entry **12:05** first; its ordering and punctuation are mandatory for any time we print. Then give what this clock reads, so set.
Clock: **4:55**
